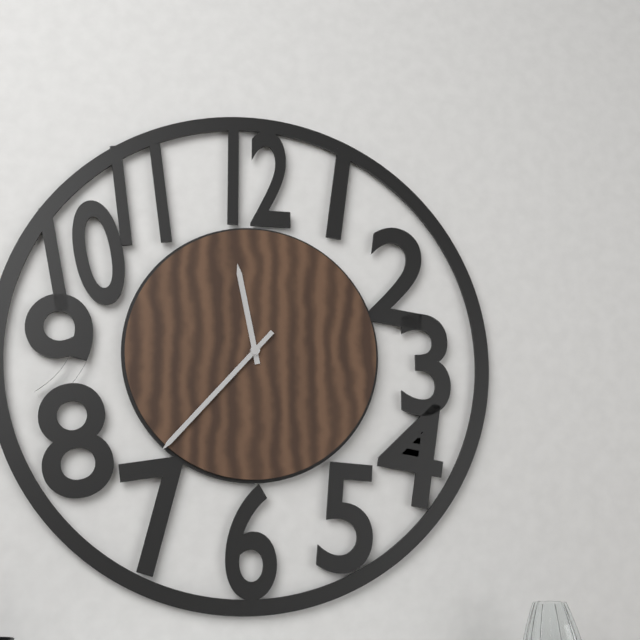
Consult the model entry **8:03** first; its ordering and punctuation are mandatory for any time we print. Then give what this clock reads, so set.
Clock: **11:37**
